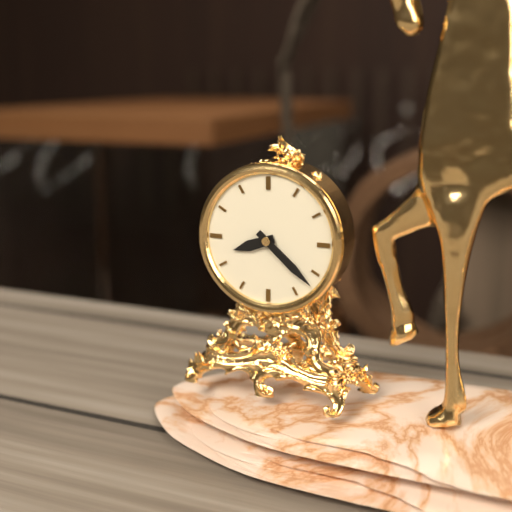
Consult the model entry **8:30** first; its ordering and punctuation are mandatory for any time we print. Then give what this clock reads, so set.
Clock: **8:22**
